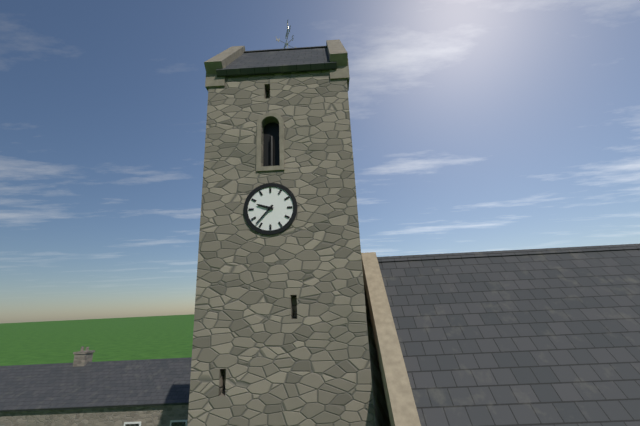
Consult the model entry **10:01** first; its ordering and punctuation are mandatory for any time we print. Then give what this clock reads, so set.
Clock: **9:37**
